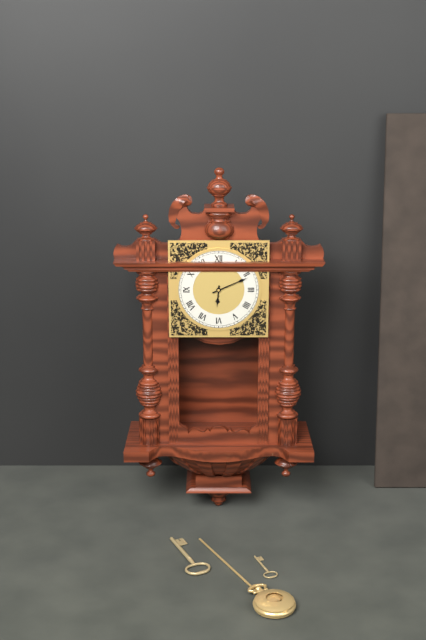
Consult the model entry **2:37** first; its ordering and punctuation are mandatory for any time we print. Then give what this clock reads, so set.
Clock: **6:11**
